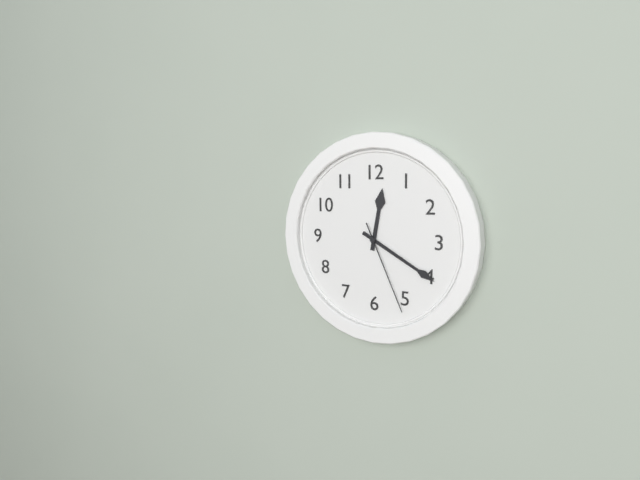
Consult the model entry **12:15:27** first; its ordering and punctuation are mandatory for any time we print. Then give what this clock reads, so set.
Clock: **12:20:26**
